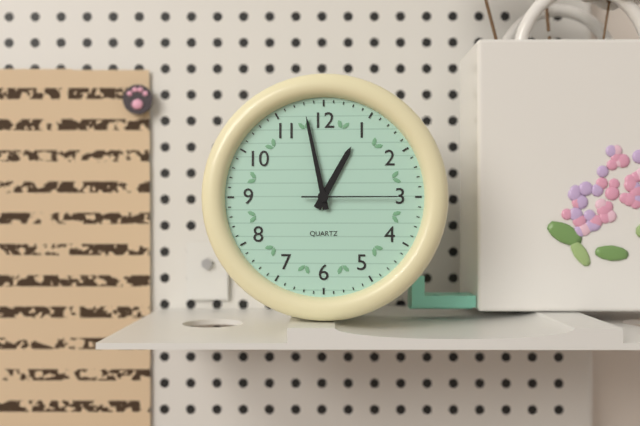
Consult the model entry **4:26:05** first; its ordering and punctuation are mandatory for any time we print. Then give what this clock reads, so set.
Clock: **12:58:15**
